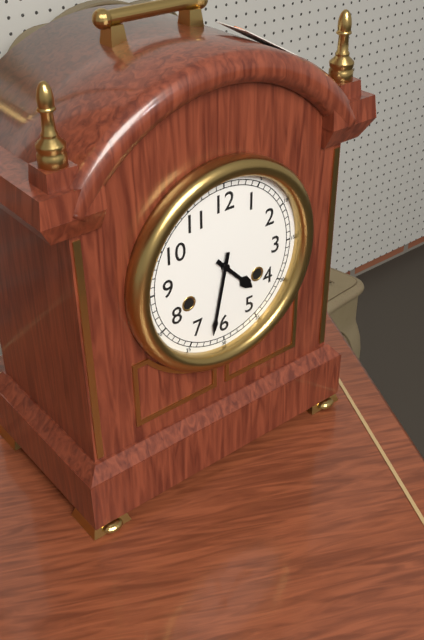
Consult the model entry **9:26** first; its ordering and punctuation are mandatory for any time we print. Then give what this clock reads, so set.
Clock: **4:32**
